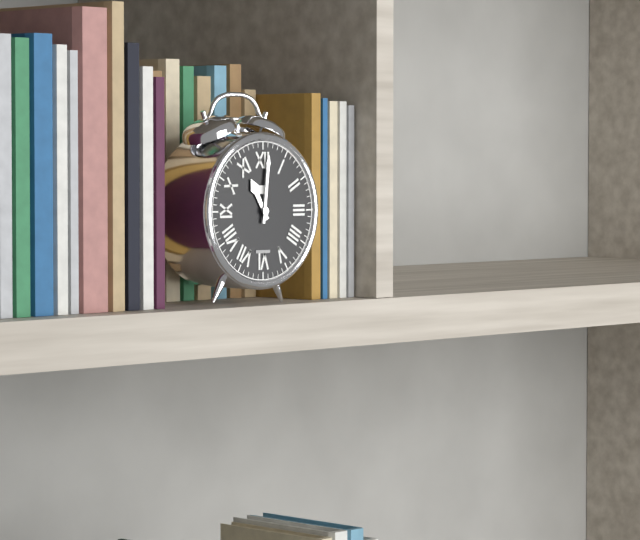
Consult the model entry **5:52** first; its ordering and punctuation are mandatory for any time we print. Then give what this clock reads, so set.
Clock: **11:01**
